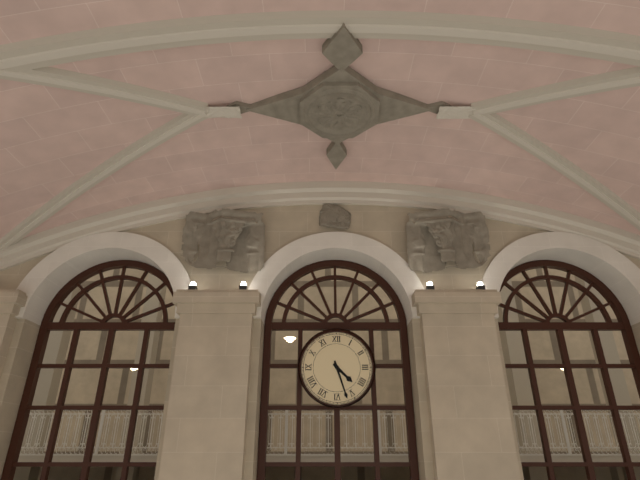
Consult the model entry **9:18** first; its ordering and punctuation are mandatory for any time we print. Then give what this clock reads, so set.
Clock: **4:27**
